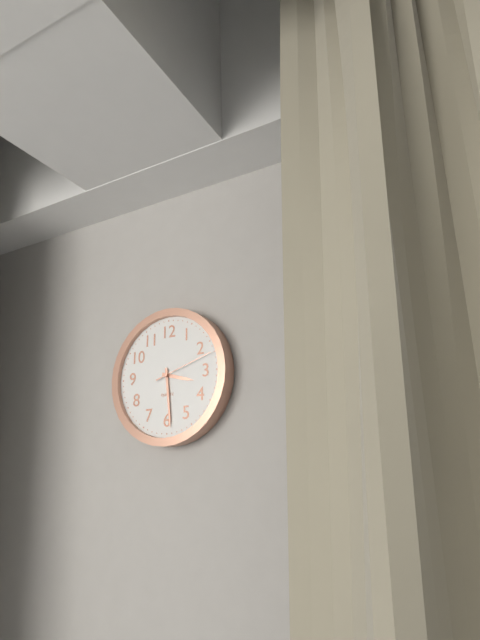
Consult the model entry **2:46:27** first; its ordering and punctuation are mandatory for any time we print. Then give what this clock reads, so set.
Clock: **3:29:12**
